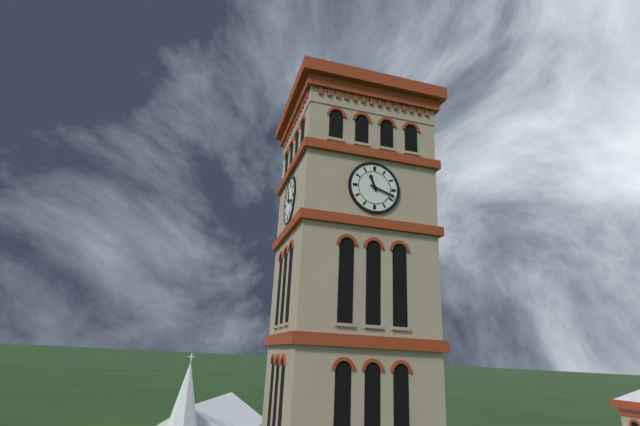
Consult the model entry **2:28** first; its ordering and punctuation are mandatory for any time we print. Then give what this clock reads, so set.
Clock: **11:18**
